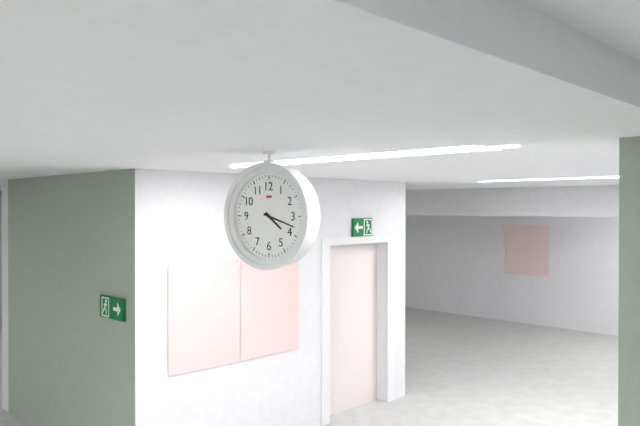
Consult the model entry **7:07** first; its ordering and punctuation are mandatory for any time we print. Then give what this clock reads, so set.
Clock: **4:18**
